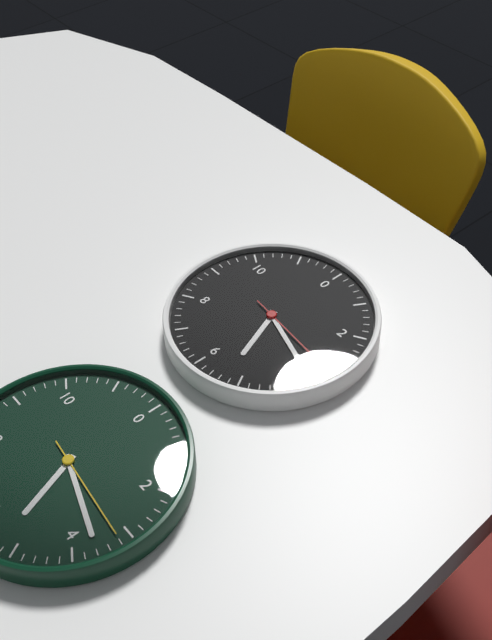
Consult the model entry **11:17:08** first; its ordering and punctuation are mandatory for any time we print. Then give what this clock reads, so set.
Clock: **5:18:16**
